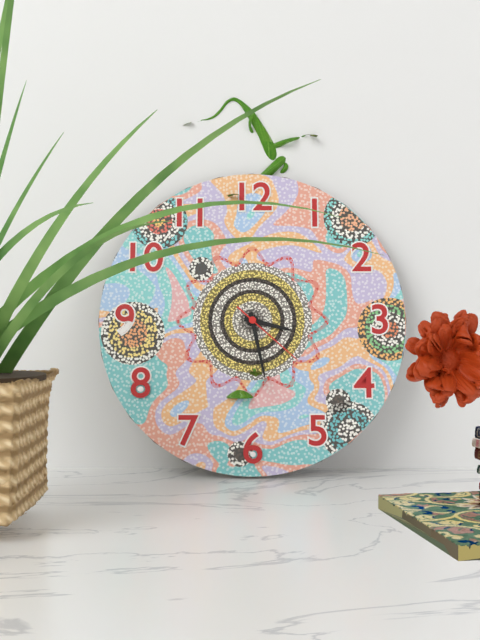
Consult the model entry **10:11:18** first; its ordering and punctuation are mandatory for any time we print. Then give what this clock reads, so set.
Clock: **3:28:22**
